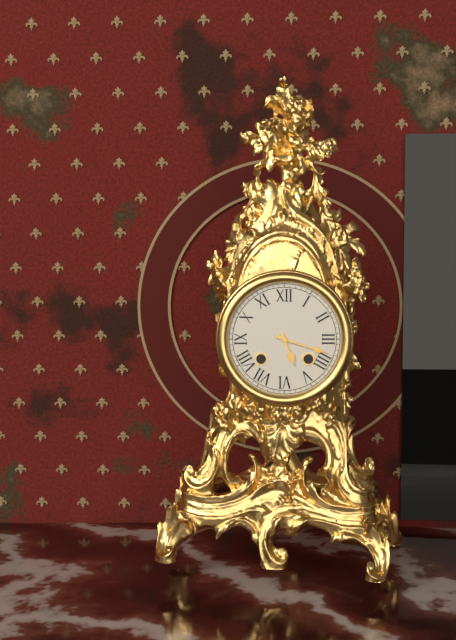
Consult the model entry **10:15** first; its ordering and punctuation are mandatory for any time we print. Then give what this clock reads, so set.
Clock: **5:18**
